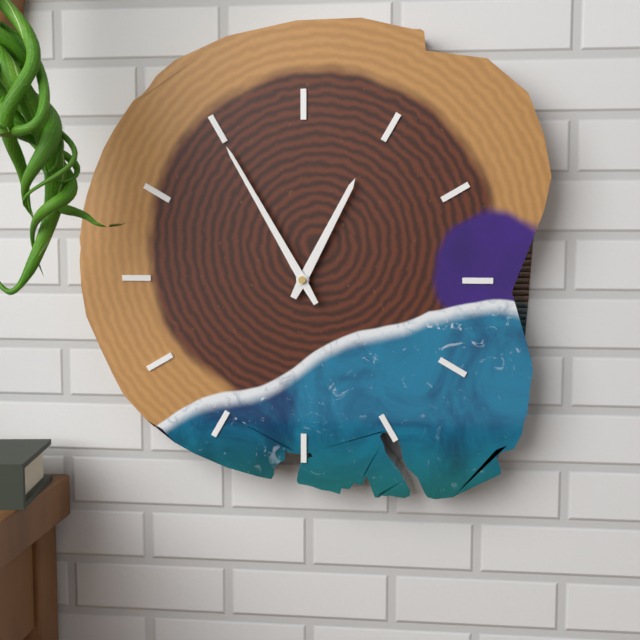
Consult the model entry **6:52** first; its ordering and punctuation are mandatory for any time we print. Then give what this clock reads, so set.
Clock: **12:55**
